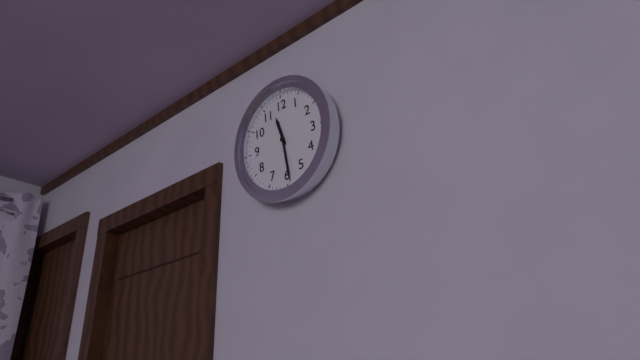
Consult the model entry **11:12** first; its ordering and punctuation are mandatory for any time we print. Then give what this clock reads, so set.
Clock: **11:29**
